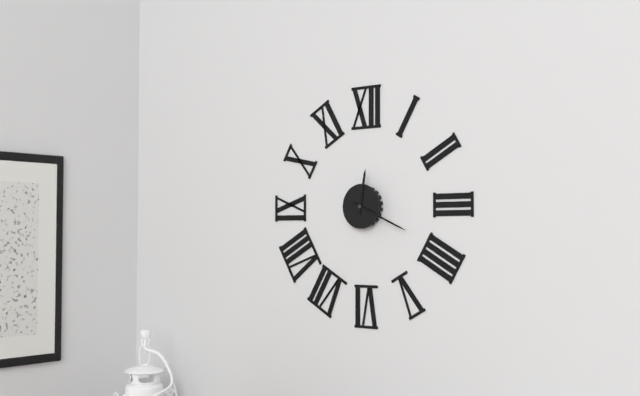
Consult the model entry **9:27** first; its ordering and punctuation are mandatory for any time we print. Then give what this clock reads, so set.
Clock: **12:19**
